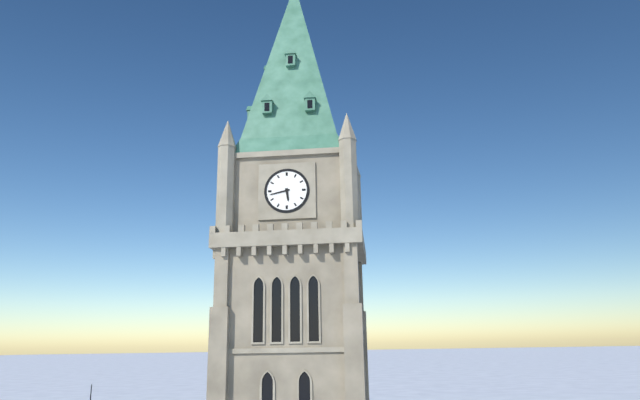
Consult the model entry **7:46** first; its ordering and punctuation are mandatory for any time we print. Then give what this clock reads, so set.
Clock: **5:43**
